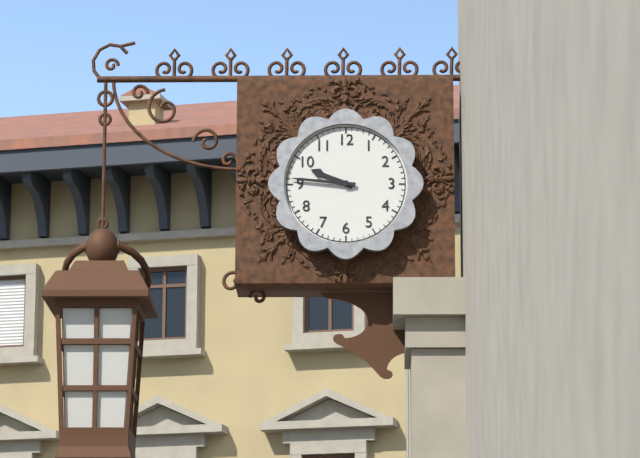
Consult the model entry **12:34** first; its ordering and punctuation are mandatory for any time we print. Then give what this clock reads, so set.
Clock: **9:46**
